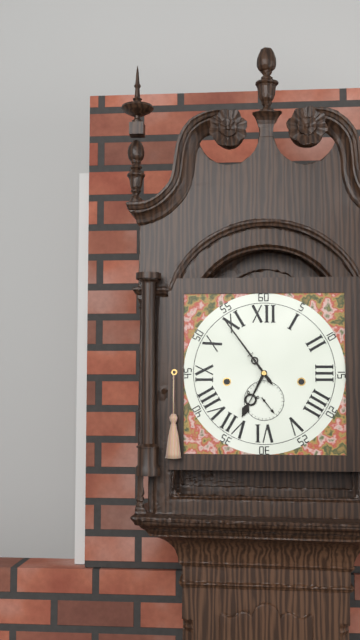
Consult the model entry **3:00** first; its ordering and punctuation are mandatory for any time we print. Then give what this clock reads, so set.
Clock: **6:54**
